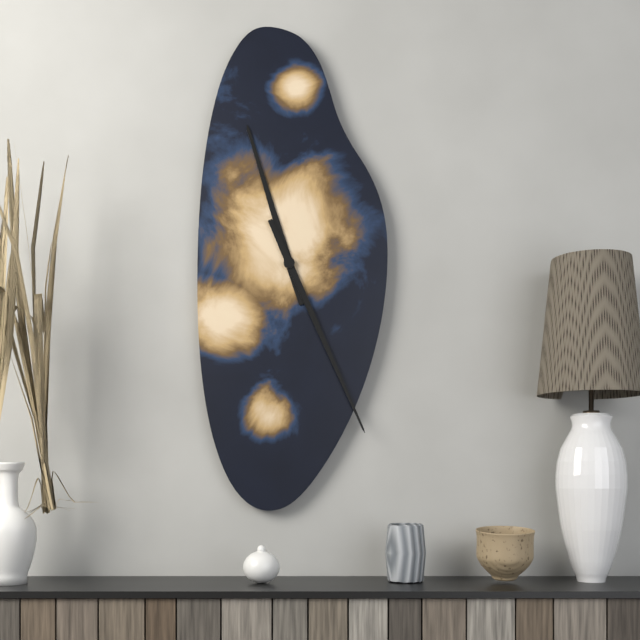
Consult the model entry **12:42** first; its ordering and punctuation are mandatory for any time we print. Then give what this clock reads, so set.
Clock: **11:26**
